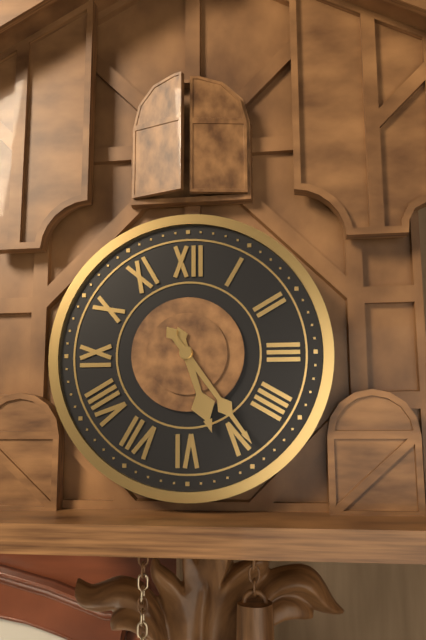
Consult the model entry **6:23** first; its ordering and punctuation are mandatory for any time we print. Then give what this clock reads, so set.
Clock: **5:24**
